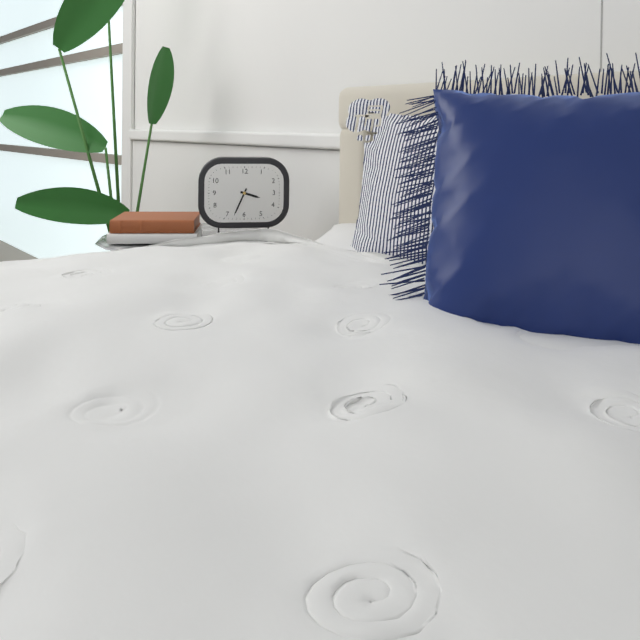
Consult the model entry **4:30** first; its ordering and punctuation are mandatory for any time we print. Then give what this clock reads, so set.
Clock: **3:34**
